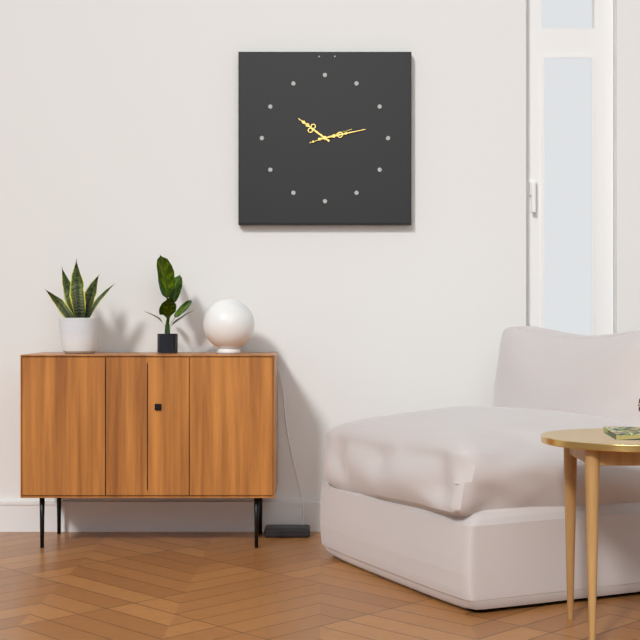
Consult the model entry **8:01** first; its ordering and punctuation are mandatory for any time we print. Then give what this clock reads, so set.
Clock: **10:13**
